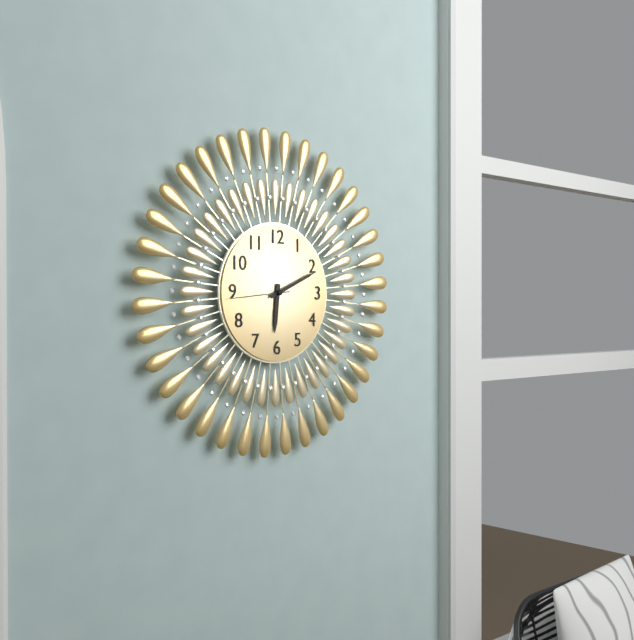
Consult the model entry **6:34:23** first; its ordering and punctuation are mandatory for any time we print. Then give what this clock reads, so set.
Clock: **6:11:44**
